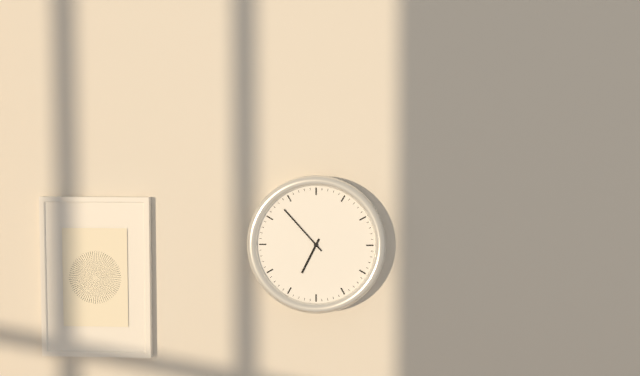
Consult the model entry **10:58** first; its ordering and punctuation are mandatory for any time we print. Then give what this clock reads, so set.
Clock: **6:53**
